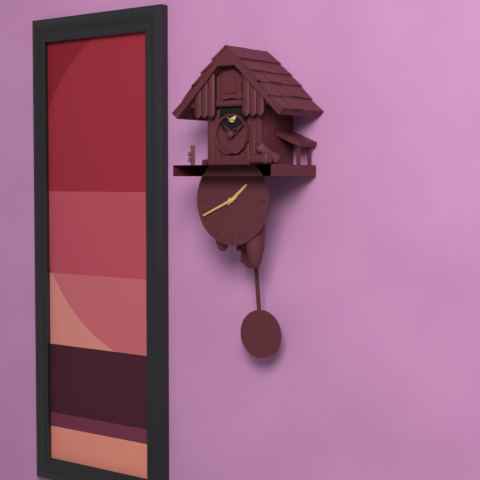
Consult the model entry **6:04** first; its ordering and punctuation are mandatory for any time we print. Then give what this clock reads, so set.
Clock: **1:41**
